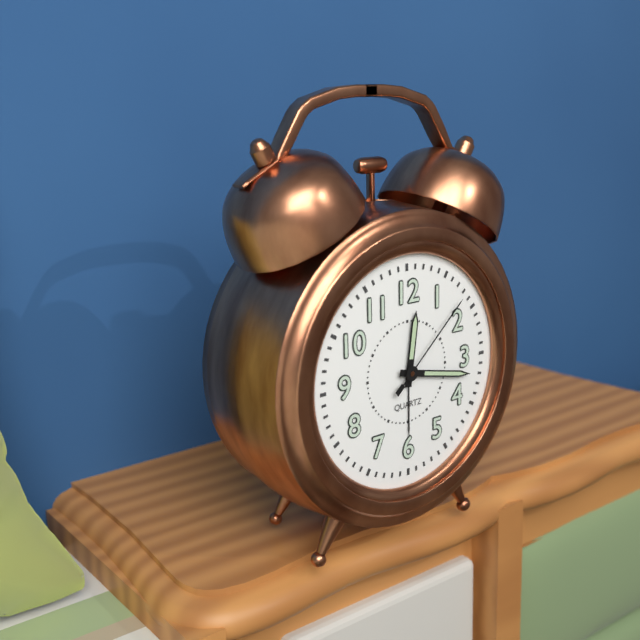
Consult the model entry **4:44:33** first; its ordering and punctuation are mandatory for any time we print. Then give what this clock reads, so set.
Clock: **12:17:08**
